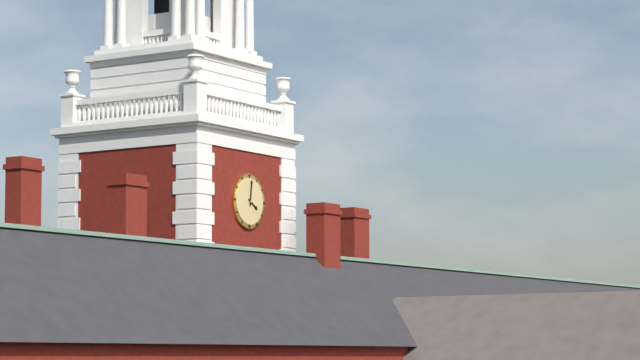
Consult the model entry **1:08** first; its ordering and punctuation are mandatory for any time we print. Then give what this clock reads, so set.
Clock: **4:01**
